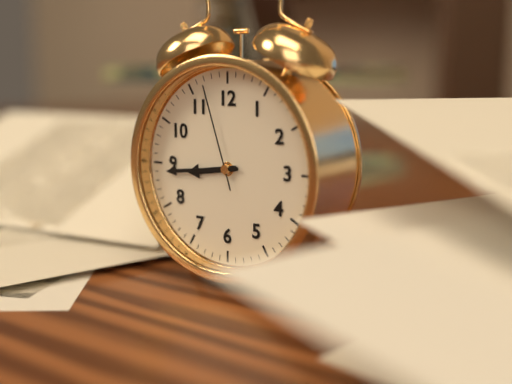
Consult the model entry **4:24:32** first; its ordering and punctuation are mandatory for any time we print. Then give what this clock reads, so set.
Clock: **8:44:57**
